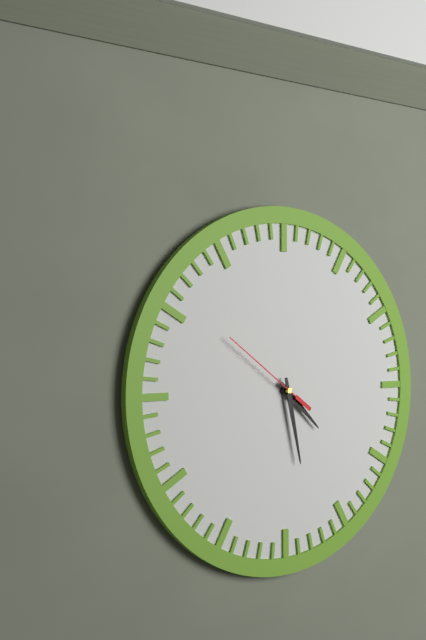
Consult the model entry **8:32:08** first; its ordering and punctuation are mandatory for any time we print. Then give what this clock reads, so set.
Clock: **4:28:51**
